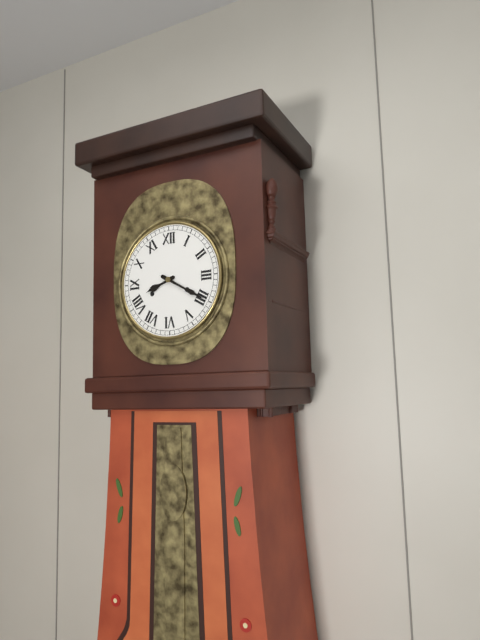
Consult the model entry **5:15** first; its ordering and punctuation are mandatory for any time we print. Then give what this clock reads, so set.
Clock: **8:20**
